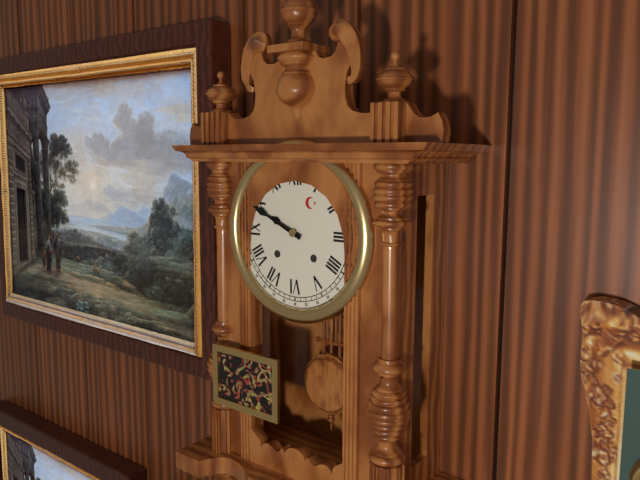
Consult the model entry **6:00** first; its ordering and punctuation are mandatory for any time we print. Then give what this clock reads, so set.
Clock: **9:49**
